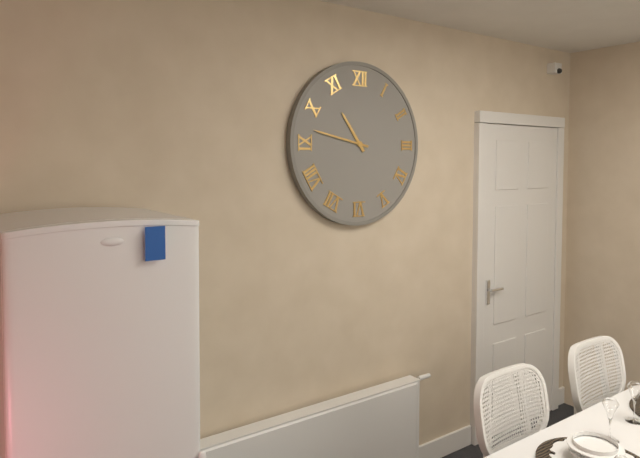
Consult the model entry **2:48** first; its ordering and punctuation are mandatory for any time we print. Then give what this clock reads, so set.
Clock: **10:47**
